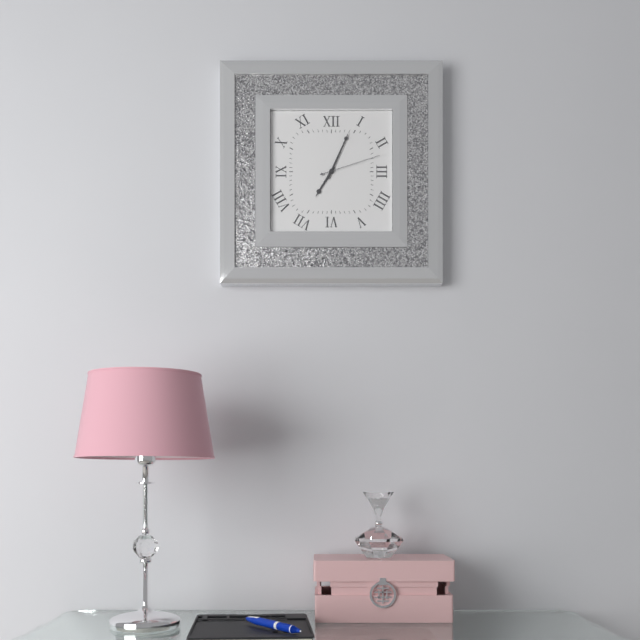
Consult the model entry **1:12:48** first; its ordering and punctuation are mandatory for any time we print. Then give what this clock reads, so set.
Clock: **7:04:12**
